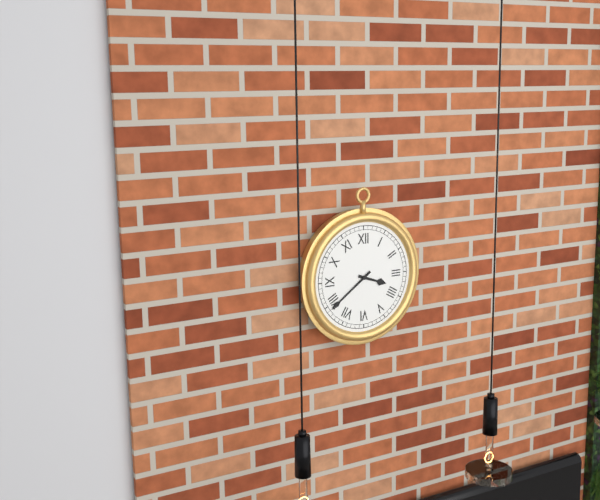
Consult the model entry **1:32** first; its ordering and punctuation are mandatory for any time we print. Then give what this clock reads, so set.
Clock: **3:39**
